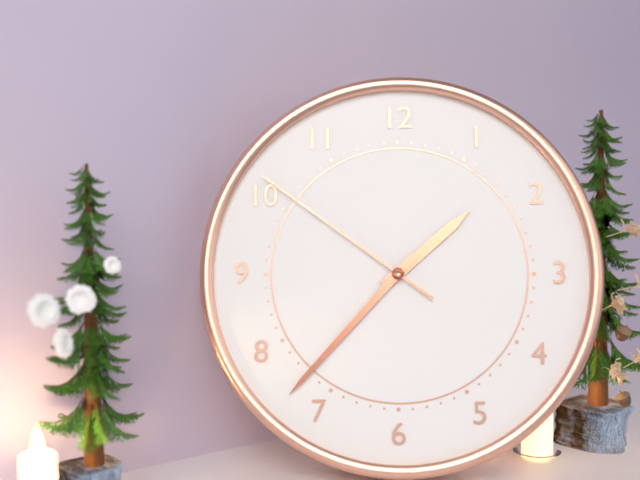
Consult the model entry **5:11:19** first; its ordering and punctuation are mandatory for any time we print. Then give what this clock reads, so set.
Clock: **1:37:51**
